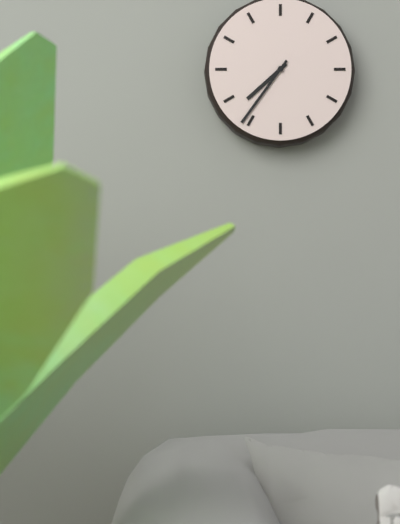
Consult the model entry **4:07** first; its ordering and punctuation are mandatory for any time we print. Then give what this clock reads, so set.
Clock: **7:36**
